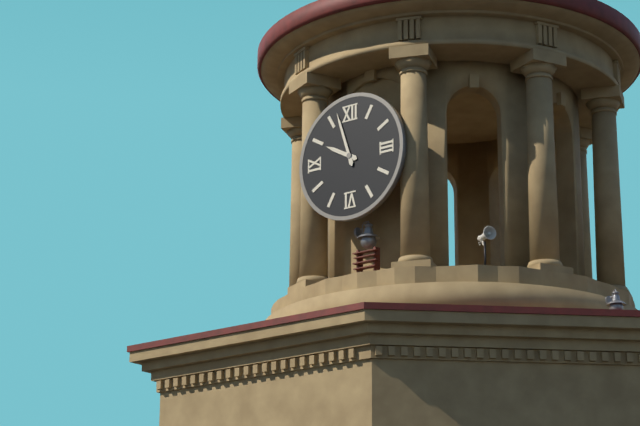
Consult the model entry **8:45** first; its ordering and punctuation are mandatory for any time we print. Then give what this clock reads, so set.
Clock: **9:57**
